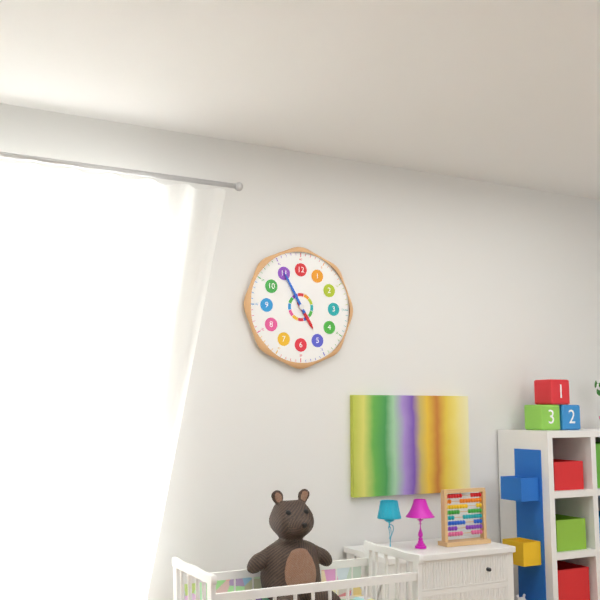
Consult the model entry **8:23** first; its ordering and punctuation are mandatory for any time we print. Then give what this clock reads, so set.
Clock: **4:55**
